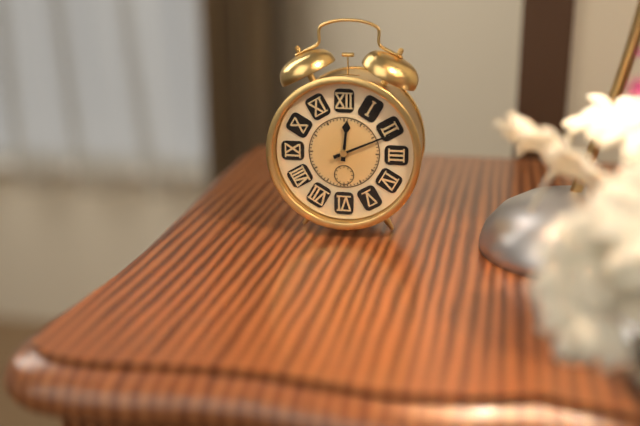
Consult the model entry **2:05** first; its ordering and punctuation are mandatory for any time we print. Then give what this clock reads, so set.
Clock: **12:11**
